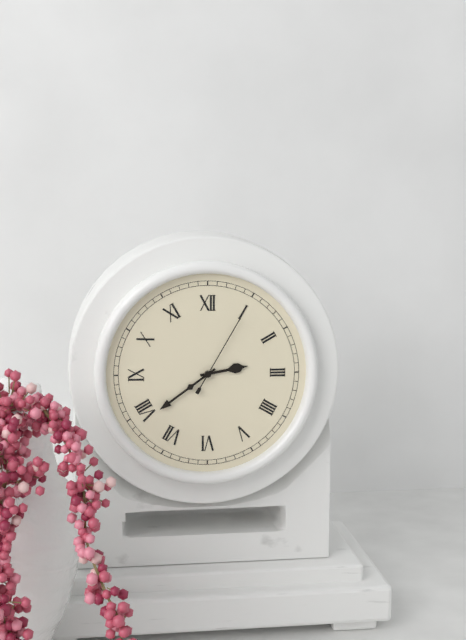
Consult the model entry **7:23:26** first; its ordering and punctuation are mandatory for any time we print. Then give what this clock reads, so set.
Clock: **2:39:05**
